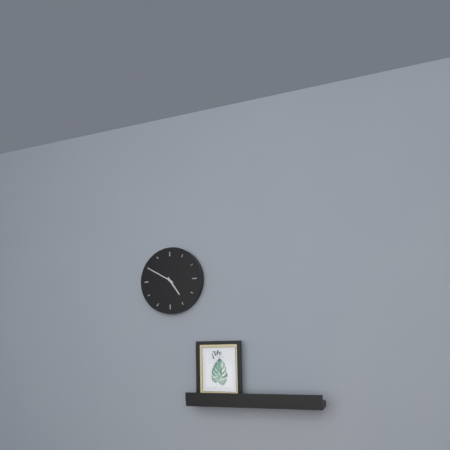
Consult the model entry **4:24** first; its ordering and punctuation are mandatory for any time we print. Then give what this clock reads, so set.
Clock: **4:50**
